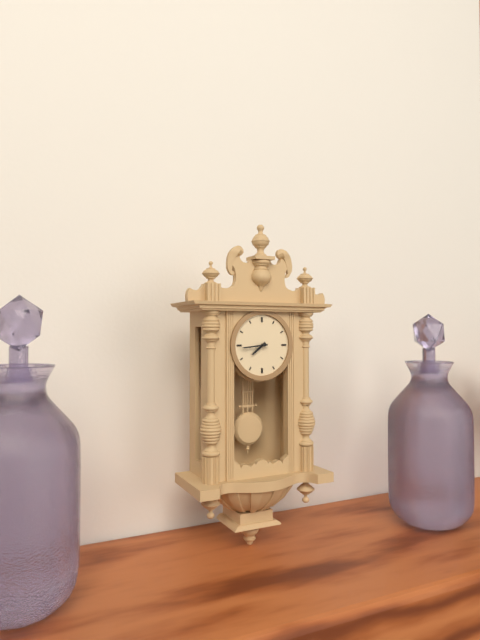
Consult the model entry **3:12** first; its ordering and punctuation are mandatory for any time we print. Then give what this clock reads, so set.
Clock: **7:44**
